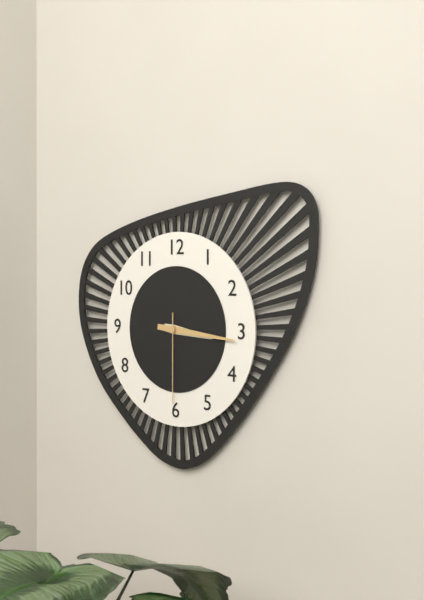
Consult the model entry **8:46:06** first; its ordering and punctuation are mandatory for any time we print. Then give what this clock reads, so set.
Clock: **3:16:30**
